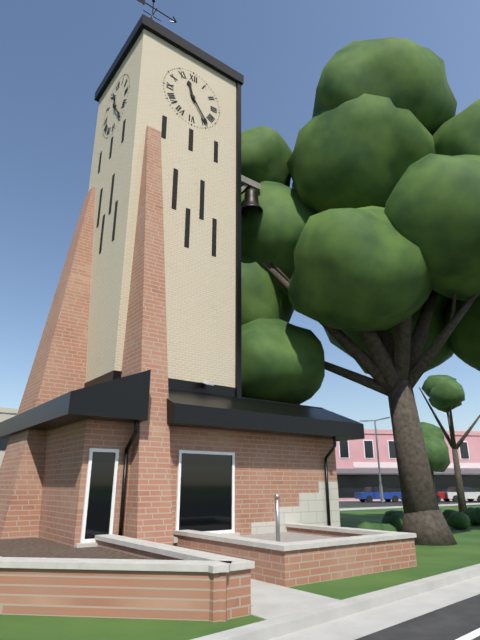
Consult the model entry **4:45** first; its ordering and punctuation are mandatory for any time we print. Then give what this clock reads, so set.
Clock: **11:24**
